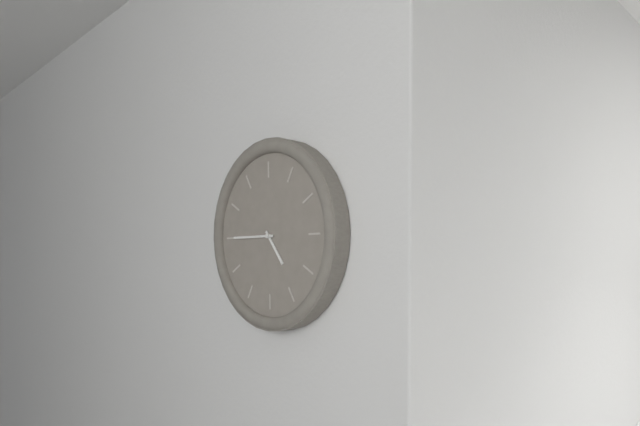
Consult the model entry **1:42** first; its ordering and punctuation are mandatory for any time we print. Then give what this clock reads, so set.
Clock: **4:45**
